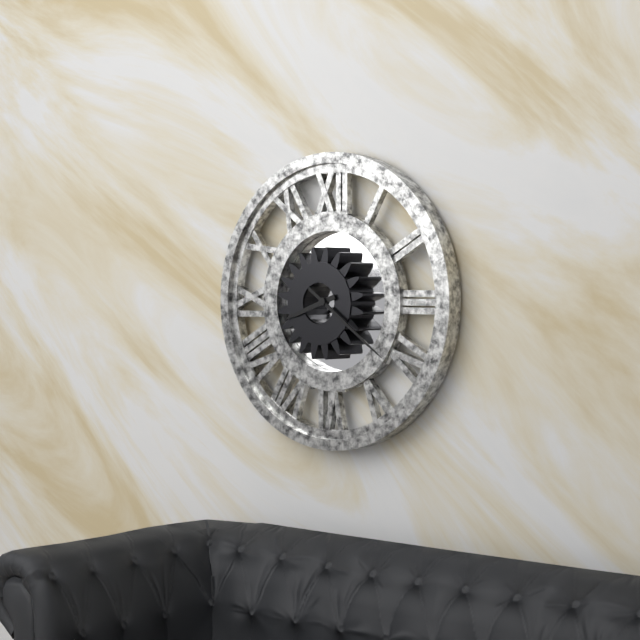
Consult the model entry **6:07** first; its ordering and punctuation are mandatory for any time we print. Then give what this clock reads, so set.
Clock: **8:21**
